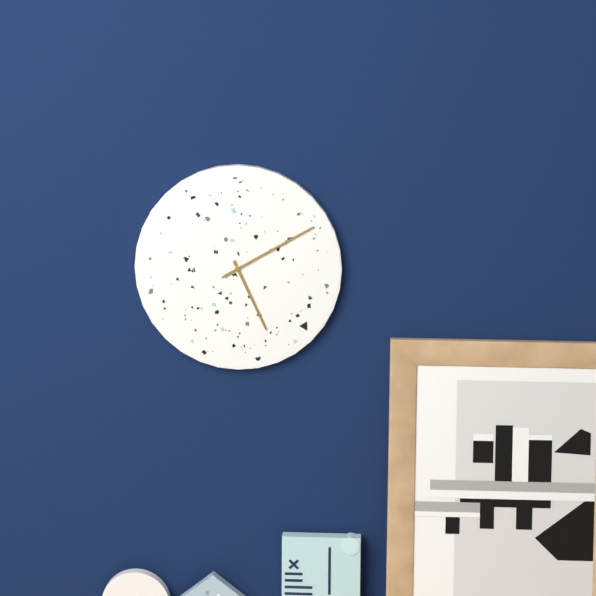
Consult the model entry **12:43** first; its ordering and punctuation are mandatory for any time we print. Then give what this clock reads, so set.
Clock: **5:10**
